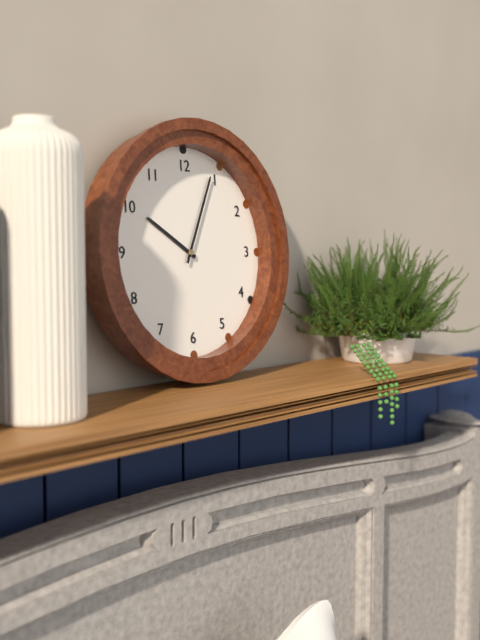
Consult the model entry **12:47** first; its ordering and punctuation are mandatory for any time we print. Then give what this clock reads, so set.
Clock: **10:04**
